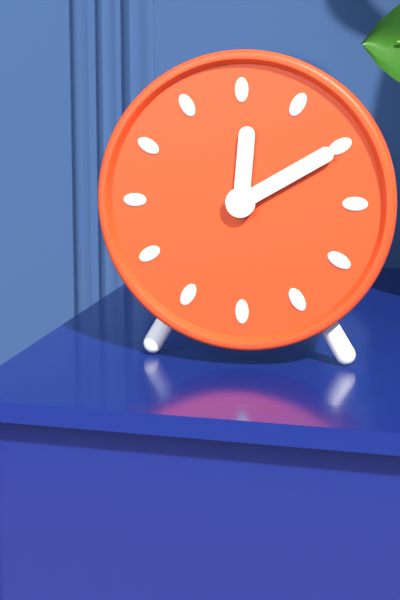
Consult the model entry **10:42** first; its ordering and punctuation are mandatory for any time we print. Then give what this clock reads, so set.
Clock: **12:10**
